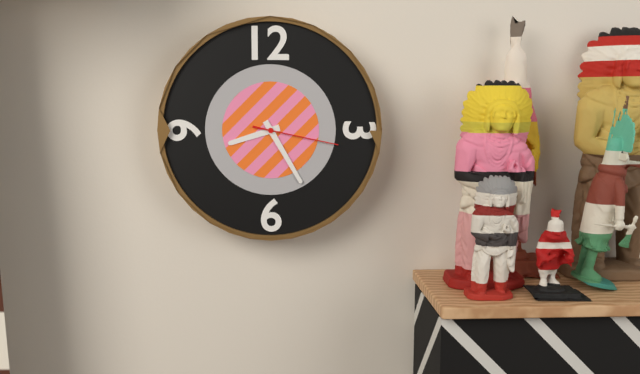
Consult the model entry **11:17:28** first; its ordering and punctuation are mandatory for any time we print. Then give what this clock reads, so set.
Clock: **8:25:17**
